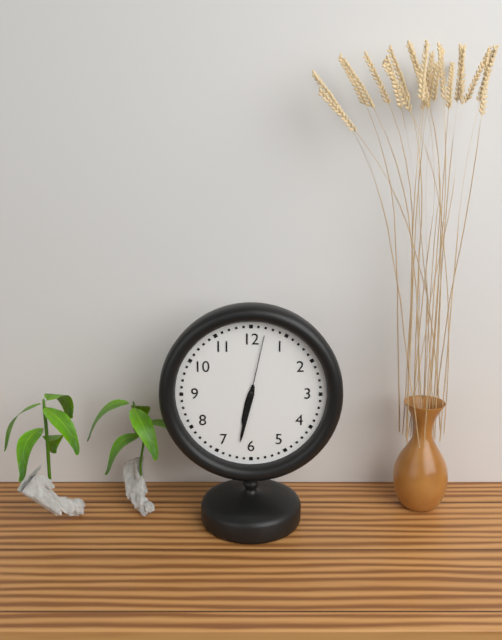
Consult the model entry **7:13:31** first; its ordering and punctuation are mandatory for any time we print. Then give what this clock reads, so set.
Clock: **6:32:02**
